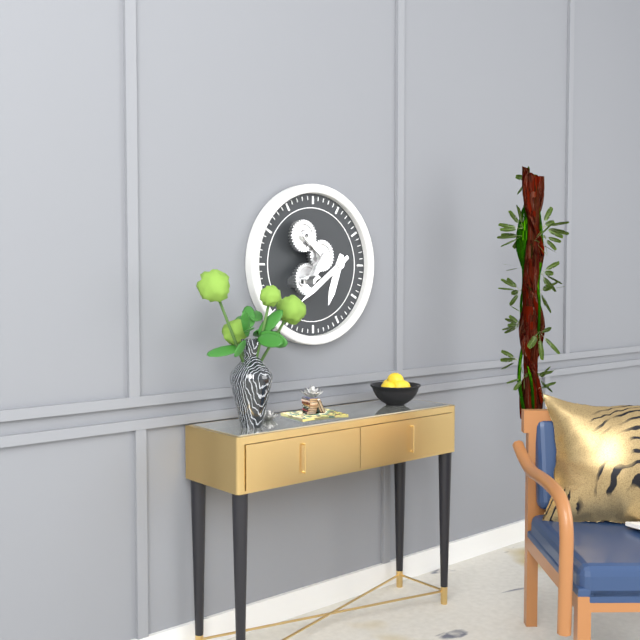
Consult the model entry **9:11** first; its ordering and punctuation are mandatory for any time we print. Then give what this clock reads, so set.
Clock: **6:39**
